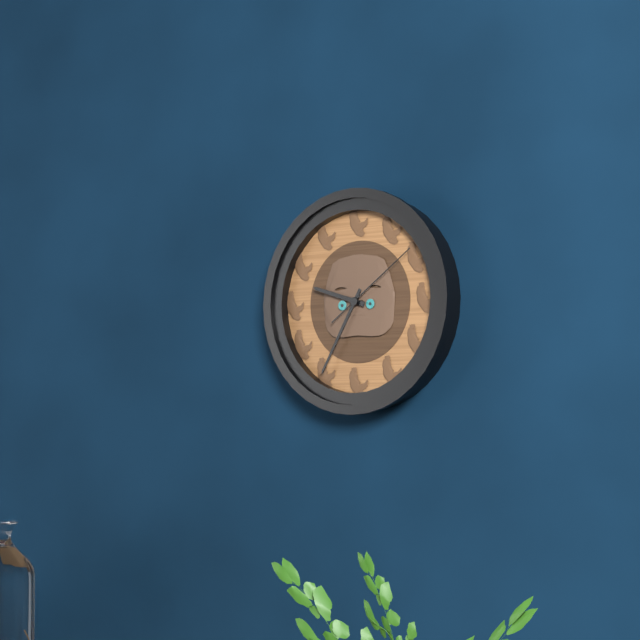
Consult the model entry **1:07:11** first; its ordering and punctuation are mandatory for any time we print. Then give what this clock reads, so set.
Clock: **9:35:09**
